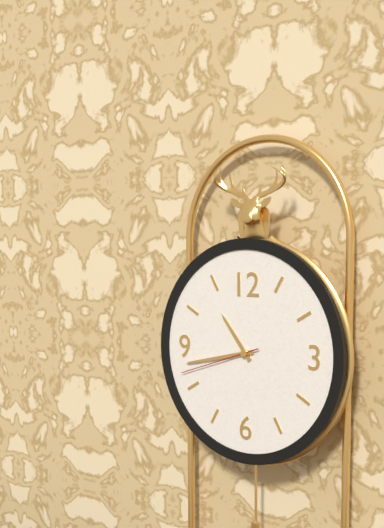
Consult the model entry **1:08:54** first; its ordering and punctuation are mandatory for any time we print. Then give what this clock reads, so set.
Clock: **10:43:42**
